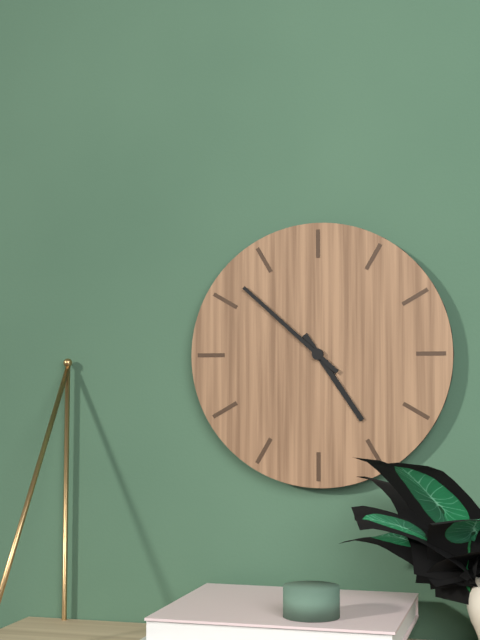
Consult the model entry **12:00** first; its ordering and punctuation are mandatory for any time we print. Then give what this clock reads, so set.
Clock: **4:52**
